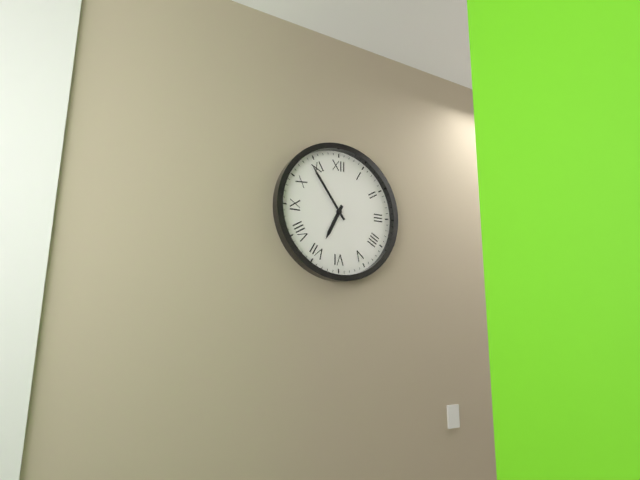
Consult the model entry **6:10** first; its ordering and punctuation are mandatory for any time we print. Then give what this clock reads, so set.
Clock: **6:54**
